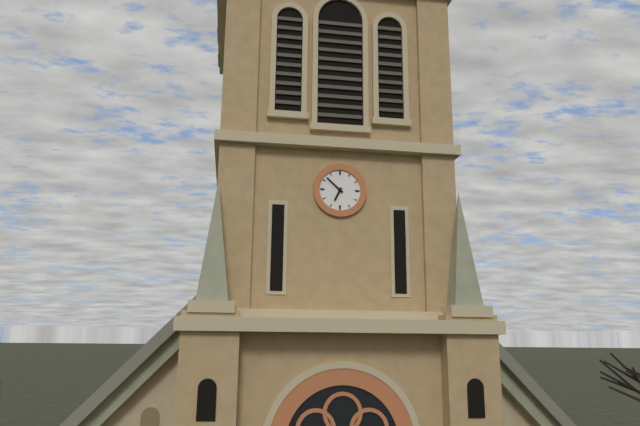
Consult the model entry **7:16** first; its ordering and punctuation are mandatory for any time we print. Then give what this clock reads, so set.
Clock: **6:52**
